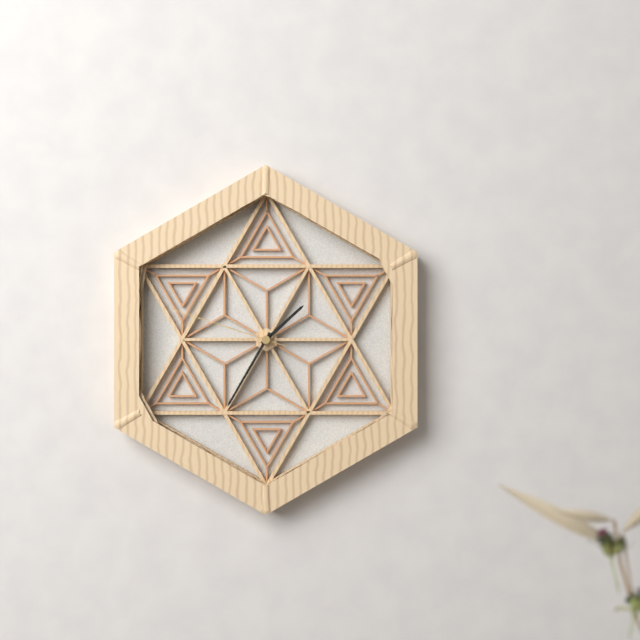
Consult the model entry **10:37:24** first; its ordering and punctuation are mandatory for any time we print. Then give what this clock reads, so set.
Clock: **1:35:48**
